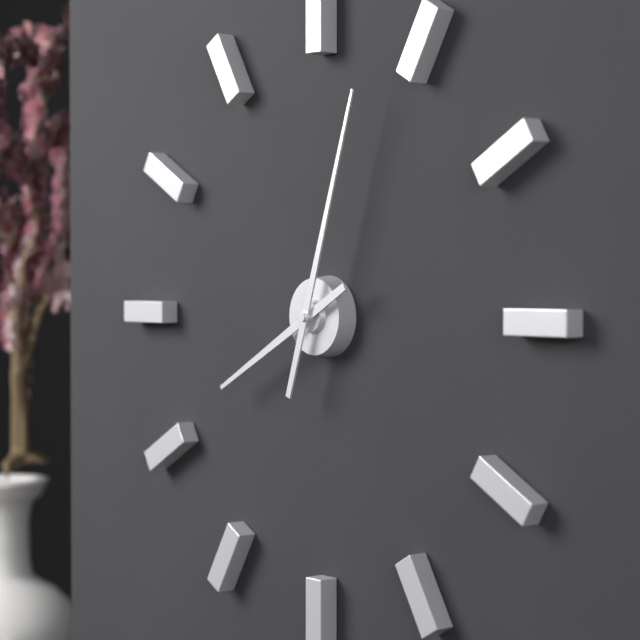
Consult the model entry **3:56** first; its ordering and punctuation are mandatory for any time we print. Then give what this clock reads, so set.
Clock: **8:03**
